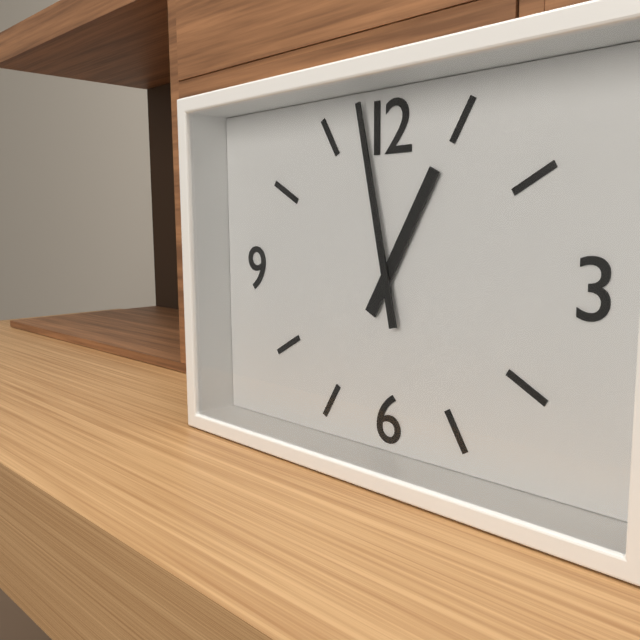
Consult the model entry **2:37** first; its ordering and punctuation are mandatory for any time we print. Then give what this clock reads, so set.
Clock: **12:58**
